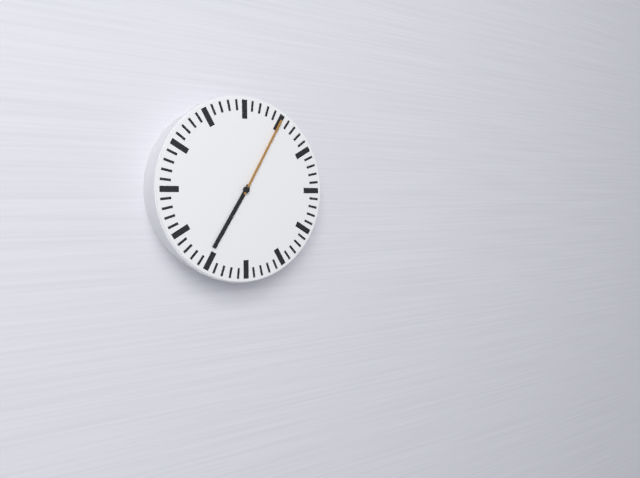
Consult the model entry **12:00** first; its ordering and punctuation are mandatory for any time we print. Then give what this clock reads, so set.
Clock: **7:05**
